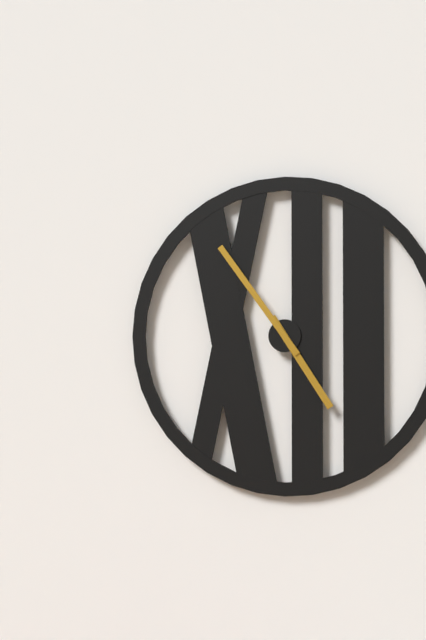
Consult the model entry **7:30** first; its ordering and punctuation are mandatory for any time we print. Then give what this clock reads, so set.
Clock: **4:54**
